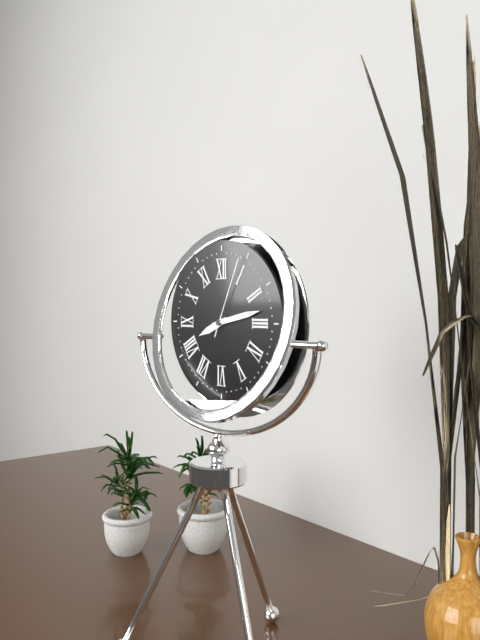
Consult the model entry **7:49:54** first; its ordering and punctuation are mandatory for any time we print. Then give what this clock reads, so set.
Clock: **8:13:04**
